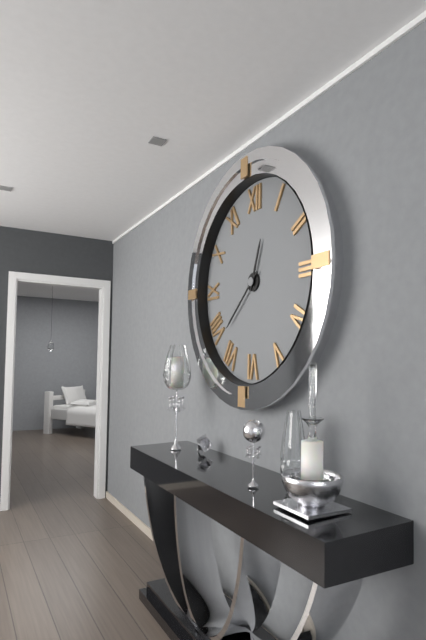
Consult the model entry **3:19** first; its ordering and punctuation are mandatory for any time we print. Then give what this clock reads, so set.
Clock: **12:38**
